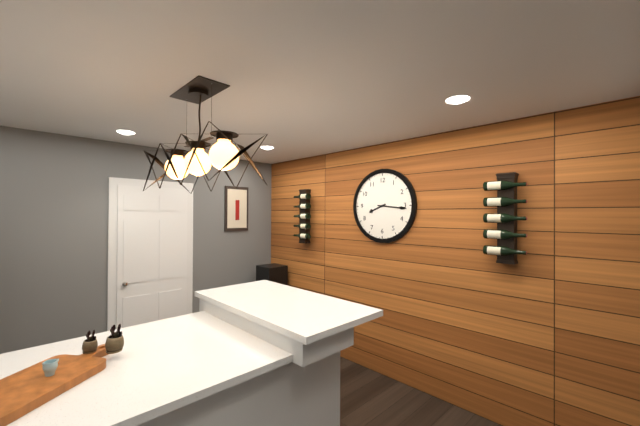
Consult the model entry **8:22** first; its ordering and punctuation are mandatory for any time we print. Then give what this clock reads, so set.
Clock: **8:16**
